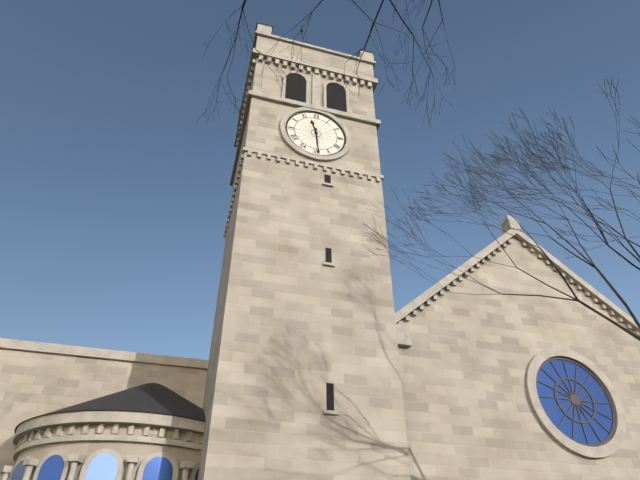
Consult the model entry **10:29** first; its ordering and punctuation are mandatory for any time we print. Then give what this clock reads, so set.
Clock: **11:29**
